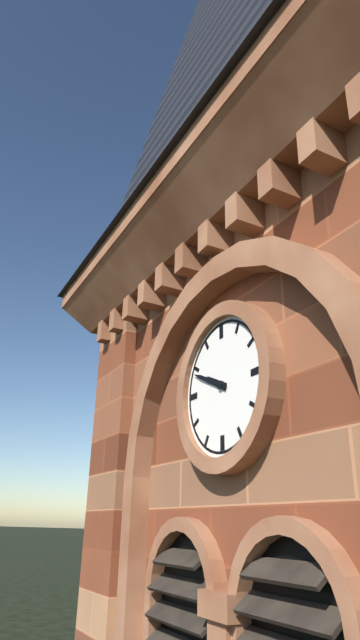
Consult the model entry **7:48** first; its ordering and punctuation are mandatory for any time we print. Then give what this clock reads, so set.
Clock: **9:49**
